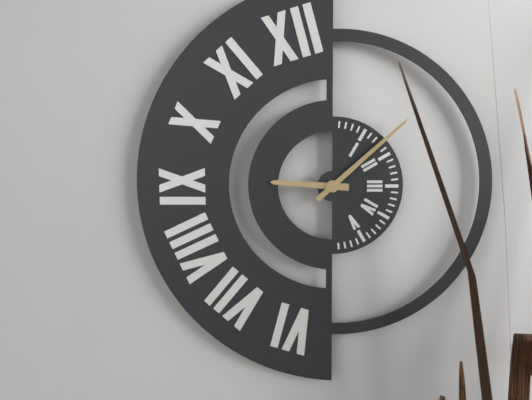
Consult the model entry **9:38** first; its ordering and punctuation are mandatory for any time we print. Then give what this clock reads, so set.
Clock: **9:08**
